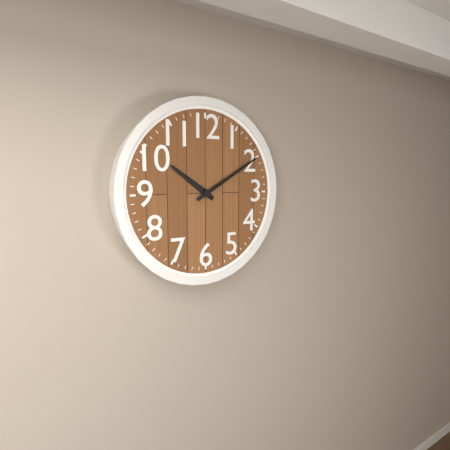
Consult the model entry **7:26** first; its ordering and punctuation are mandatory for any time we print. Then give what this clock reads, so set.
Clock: **10:10**
